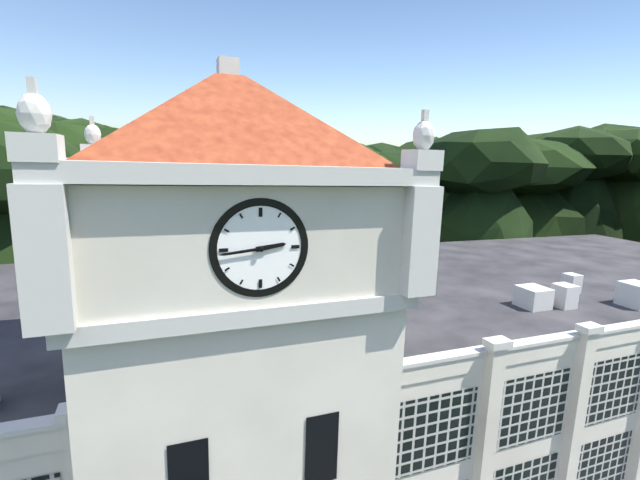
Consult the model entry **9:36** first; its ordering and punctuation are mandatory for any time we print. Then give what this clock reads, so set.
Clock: **2:44**
